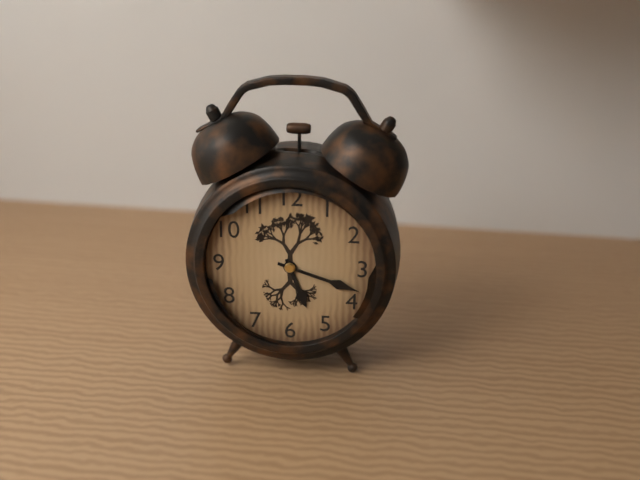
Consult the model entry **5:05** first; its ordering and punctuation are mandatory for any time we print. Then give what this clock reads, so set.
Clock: **5:18**
